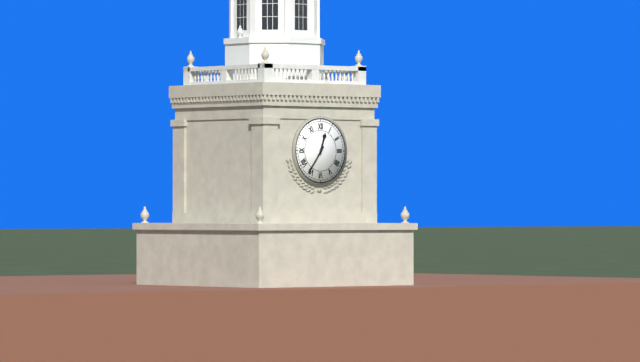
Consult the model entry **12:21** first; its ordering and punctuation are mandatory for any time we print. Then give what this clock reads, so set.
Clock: **12:36**
